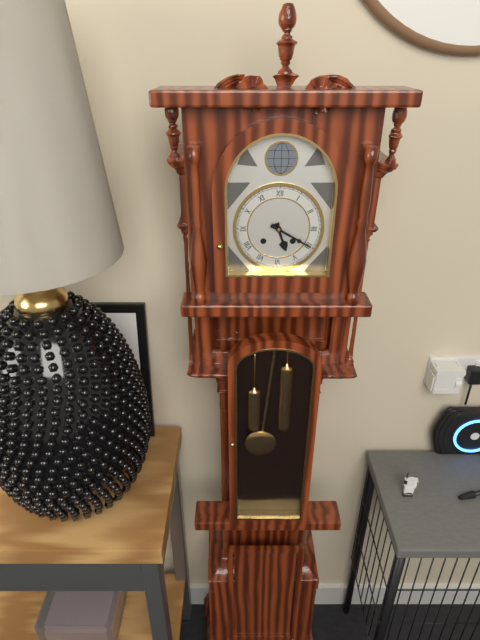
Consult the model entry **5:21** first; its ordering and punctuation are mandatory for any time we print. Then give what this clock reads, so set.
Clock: **5:20**
